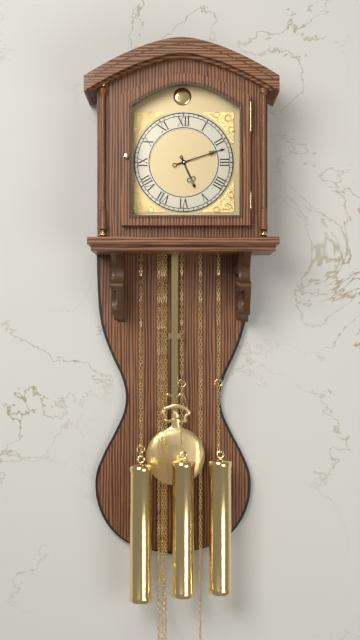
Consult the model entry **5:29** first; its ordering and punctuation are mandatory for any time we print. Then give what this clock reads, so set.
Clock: **5:12**
